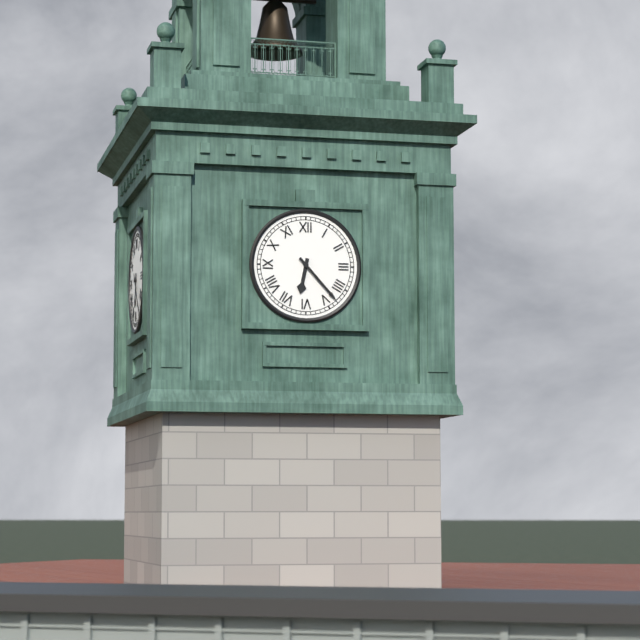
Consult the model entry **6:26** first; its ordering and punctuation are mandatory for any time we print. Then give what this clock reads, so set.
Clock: **6:23**
